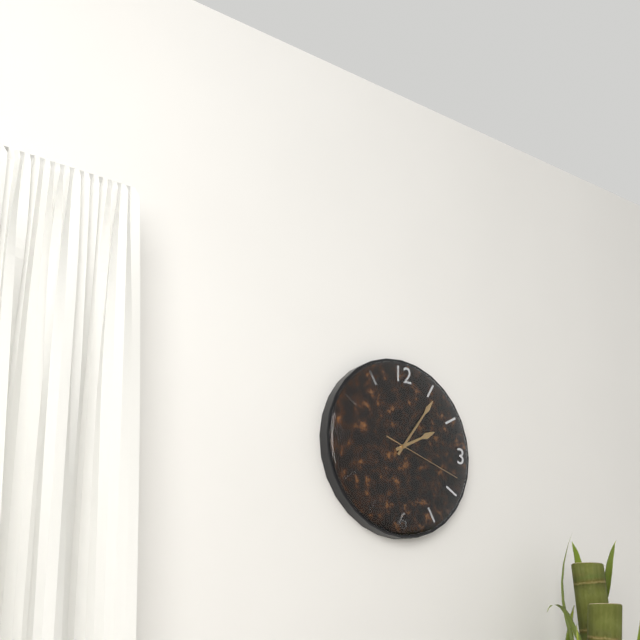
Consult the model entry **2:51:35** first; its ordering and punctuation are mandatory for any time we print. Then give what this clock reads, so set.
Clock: **2:06:18**
